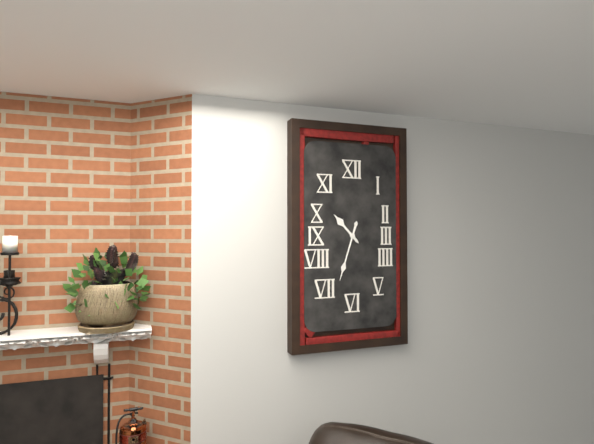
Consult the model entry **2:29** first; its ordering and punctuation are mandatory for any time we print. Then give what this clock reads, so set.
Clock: **10:33**
